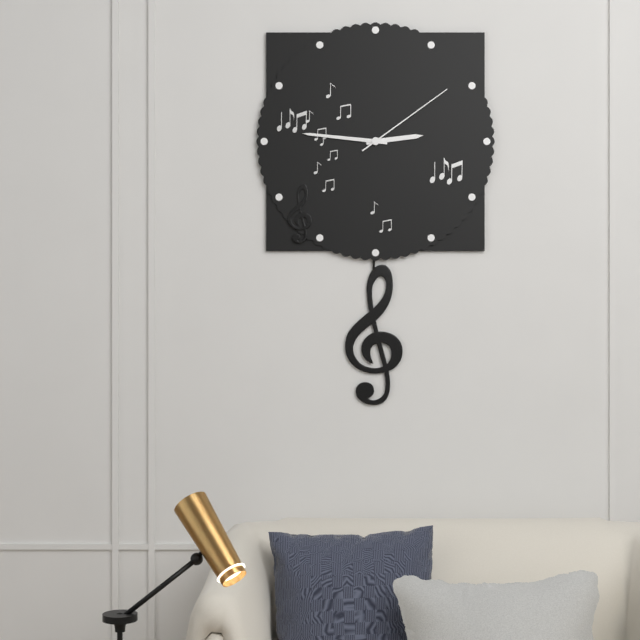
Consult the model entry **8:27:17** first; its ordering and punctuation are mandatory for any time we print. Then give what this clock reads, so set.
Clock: **2:46:09**
